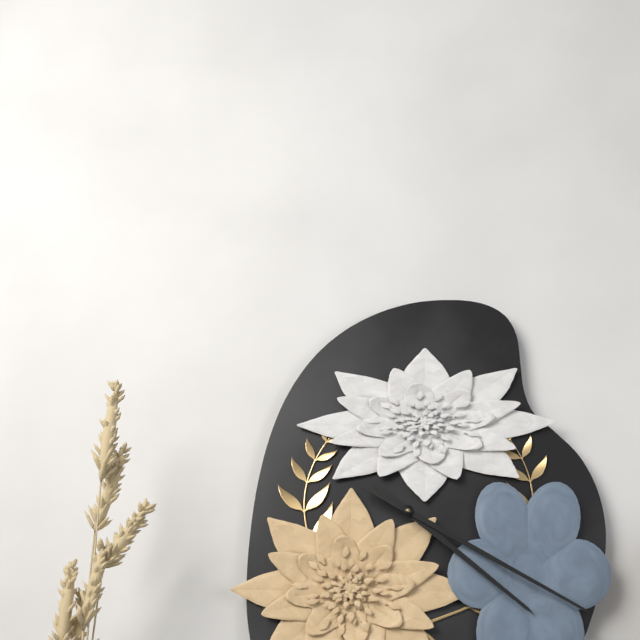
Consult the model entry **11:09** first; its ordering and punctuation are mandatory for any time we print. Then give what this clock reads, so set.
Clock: **4:20**
